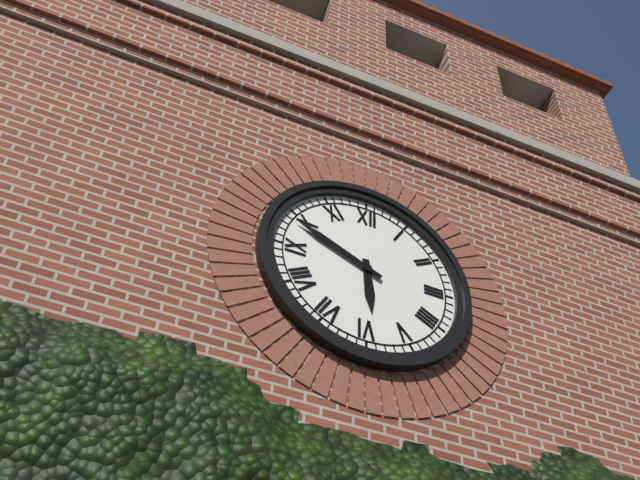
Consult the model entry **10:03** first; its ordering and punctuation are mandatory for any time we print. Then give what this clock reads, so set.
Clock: **5:49**
